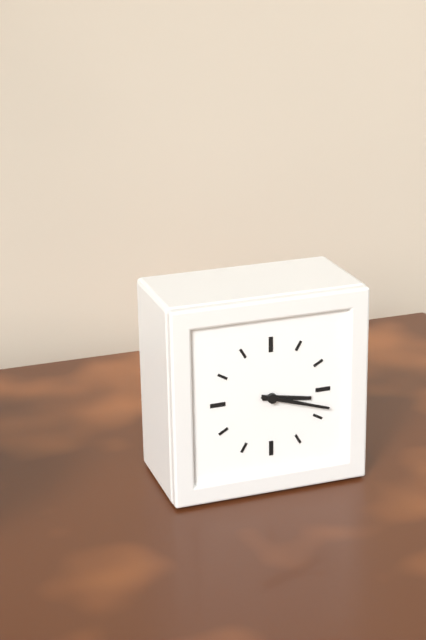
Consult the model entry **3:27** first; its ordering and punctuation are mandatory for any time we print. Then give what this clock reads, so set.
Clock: **3:18**
